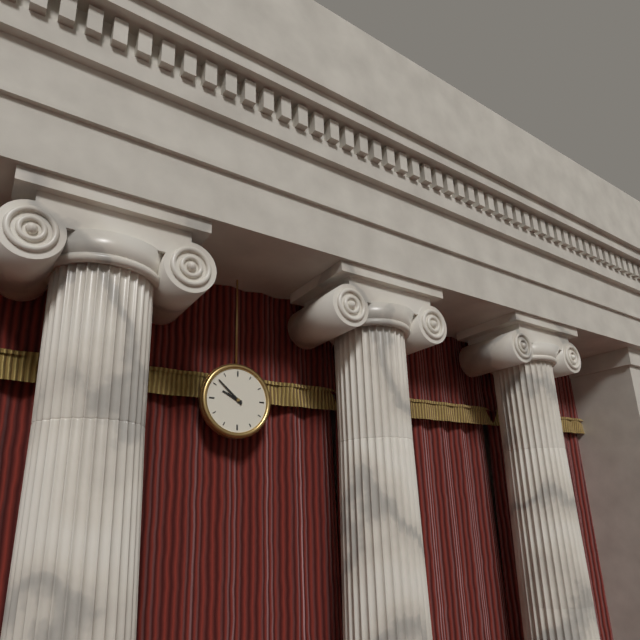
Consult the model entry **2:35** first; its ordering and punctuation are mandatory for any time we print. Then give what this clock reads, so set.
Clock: **9:52**
